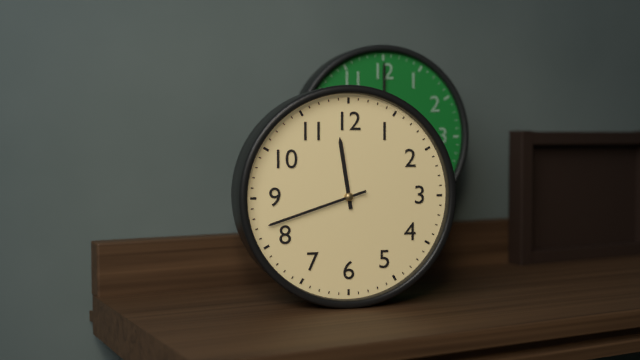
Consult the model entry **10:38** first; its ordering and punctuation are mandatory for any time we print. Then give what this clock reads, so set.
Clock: **11:42**
